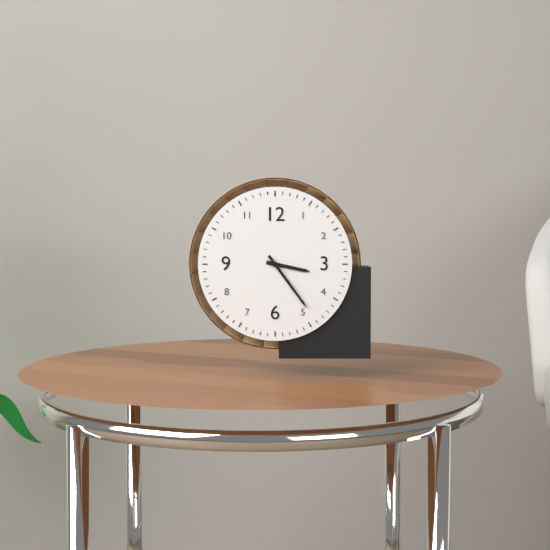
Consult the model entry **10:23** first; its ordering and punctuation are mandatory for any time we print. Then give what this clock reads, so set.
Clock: **3:24**
